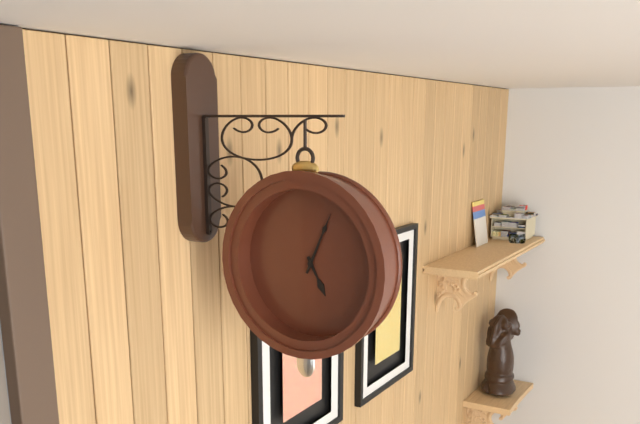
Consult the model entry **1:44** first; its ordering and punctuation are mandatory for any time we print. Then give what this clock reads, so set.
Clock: **5:04**
